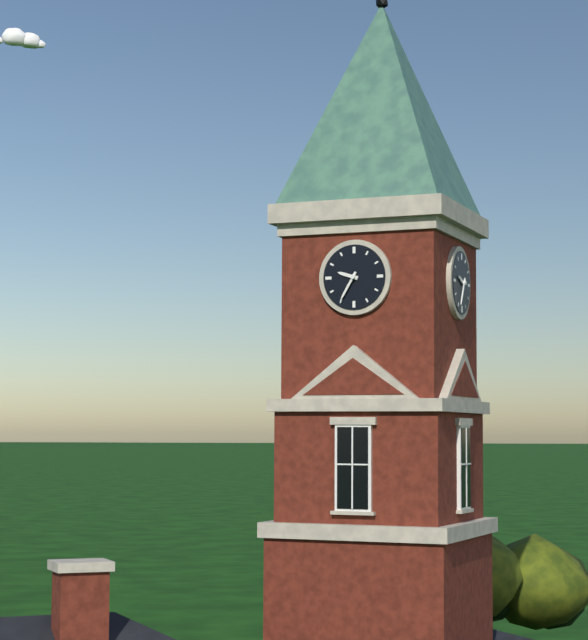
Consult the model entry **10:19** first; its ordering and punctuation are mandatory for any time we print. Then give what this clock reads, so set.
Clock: **9:35**
